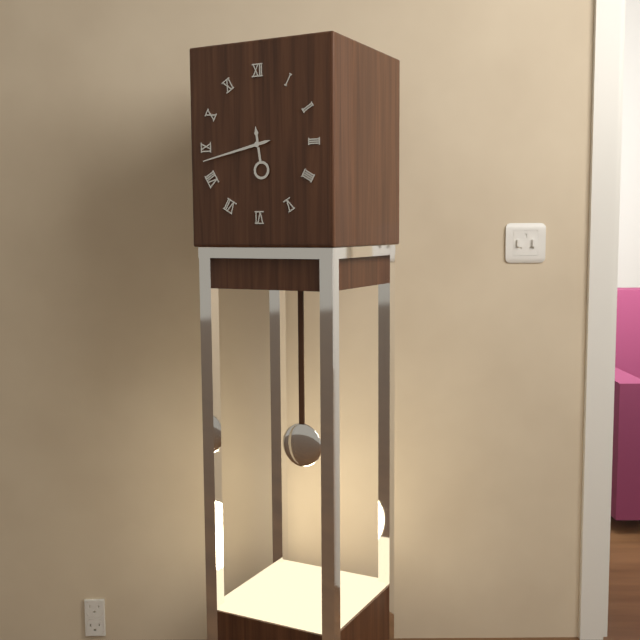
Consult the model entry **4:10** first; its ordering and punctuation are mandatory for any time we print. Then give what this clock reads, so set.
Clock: **5:43**
